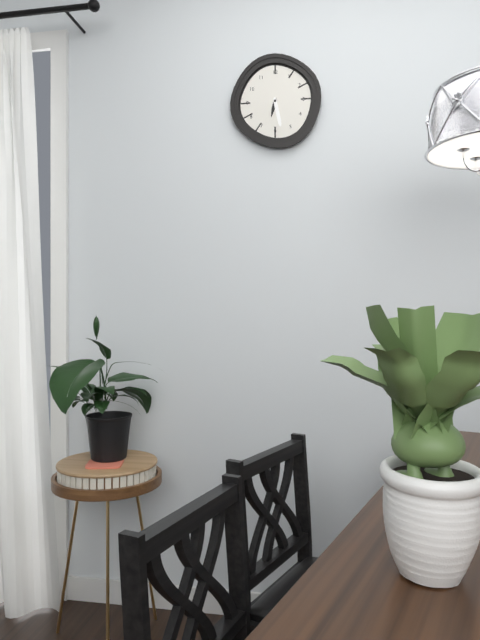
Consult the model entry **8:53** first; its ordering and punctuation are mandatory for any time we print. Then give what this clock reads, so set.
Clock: **6:28**
